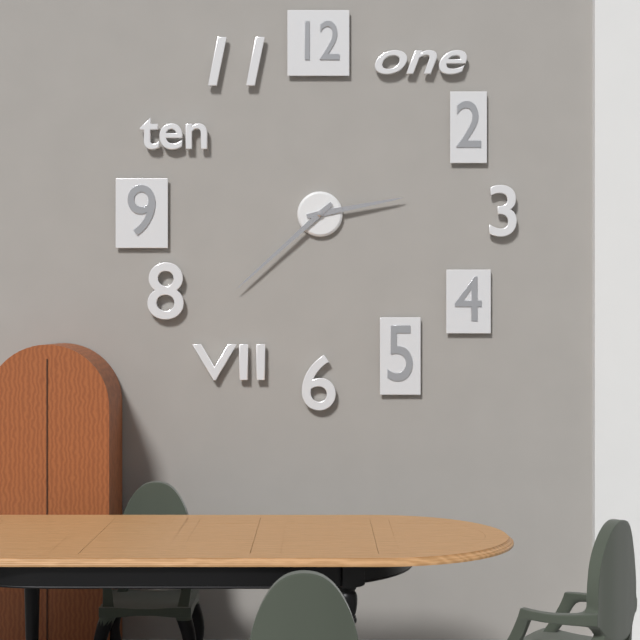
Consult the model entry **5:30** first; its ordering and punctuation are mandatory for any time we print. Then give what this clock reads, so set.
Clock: **2:38**
